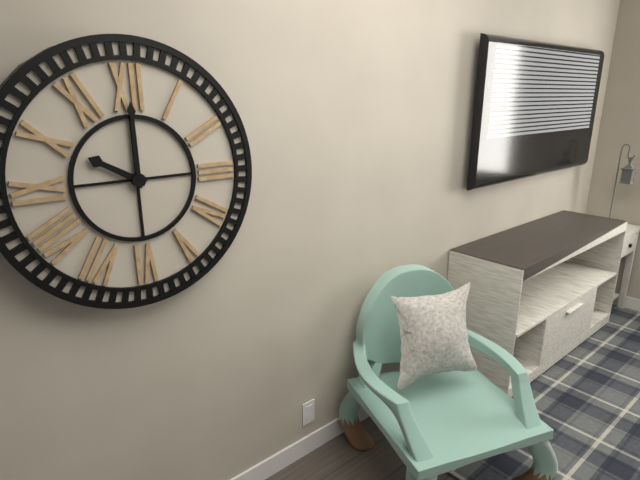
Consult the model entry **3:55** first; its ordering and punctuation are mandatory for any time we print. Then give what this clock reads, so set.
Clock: **10:00**
